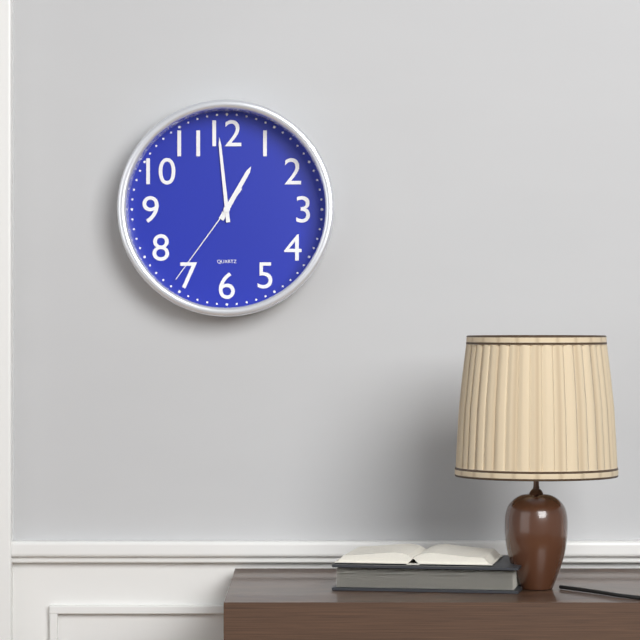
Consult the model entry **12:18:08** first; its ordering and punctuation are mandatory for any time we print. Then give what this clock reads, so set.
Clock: **12:59:36**
